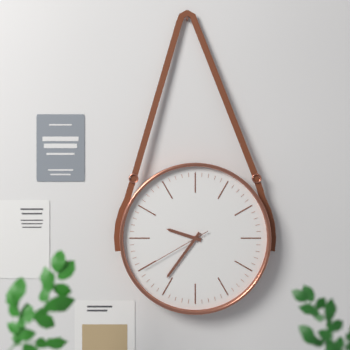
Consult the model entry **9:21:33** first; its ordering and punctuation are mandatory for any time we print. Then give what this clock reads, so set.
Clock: **9:36:40**
